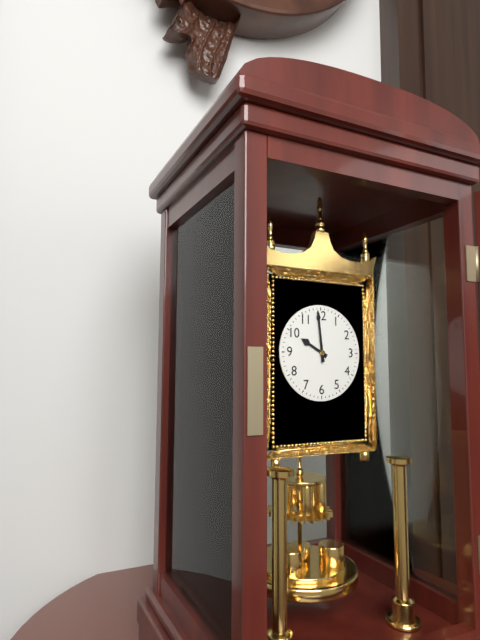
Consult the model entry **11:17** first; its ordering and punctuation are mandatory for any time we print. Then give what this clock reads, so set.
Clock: **9:59**
